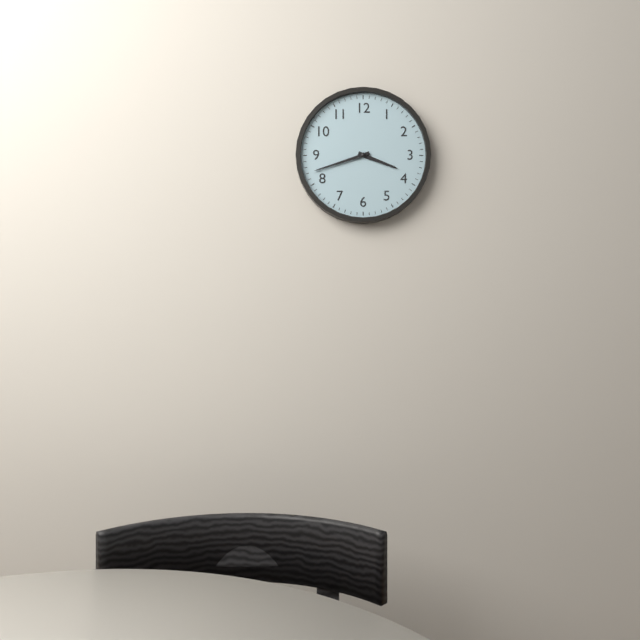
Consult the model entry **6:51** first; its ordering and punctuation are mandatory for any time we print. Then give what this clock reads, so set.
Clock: **3:42**
